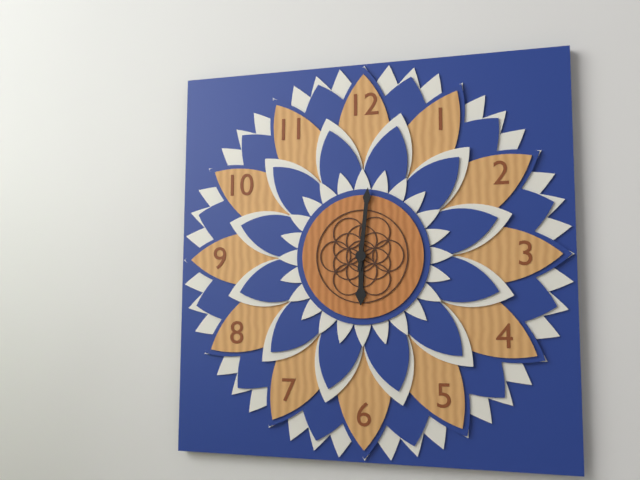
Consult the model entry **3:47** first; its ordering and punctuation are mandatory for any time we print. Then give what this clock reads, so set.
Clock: **6:01**
